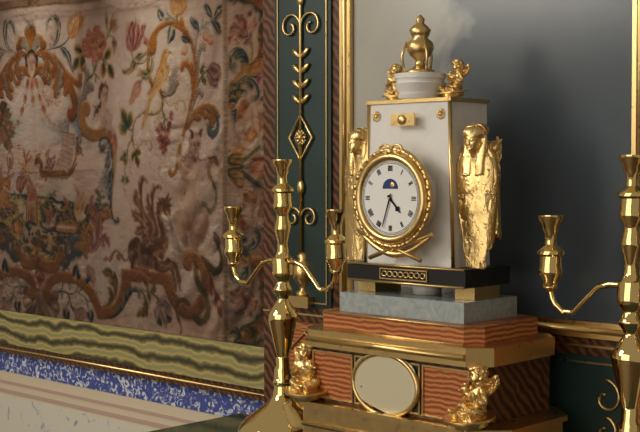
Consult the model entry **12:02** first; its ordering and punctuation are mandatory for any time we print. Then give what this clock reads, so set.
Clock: **4:33**
